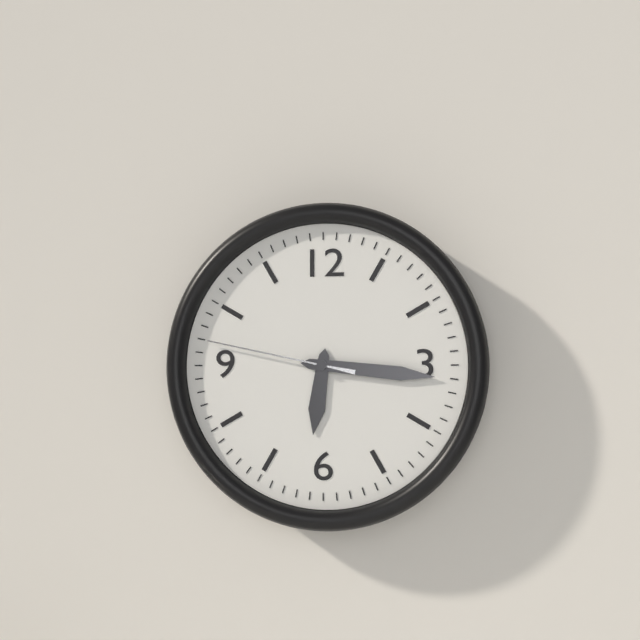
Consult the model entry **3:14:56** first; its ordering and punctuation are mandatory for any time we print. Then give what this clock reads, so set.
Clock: **6:16:47**
